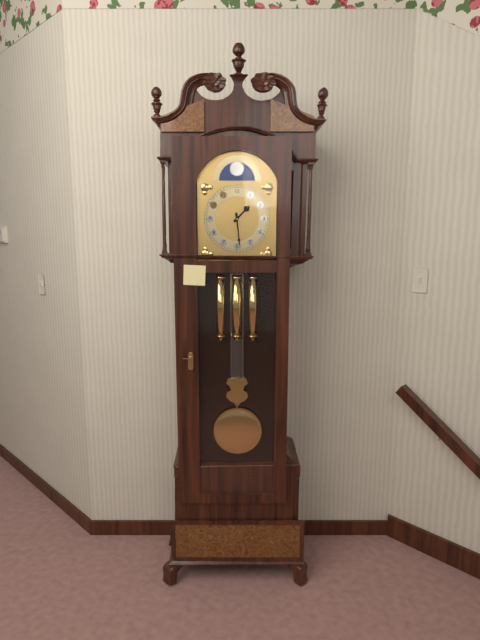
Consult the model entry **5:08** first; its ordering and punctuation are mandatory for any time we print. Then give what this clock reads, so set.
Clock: **1:29**
